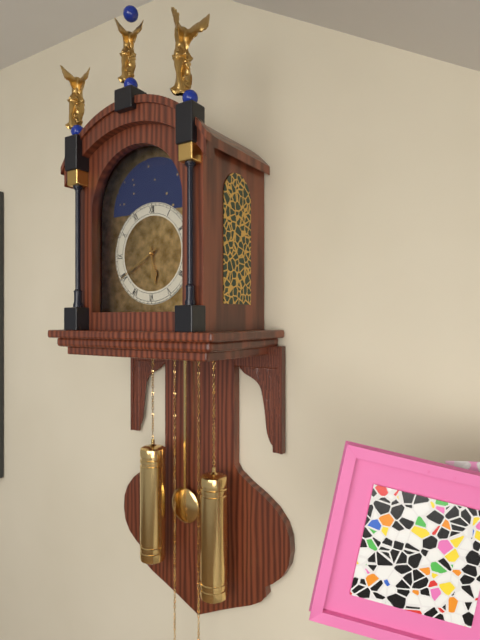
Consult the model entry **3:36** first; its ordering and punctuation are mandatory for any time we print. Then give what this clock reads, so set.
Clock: **5:40**
